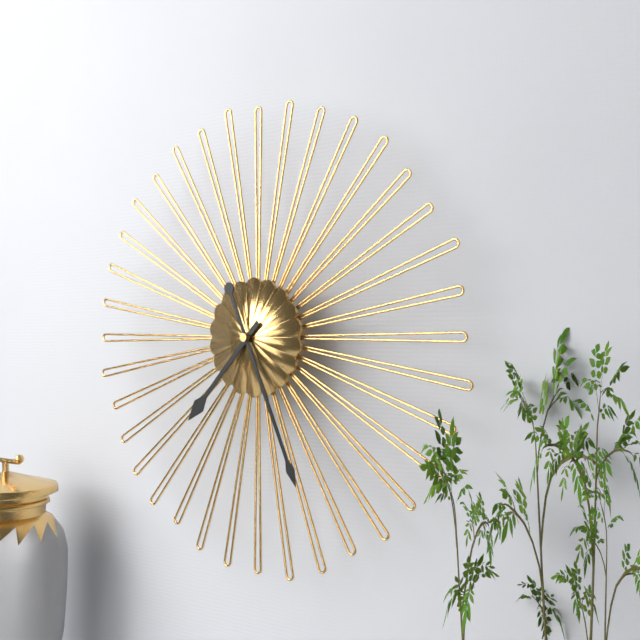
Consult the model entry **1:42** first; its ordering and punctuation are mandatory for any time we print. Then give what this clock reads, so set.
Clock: **7:26**
